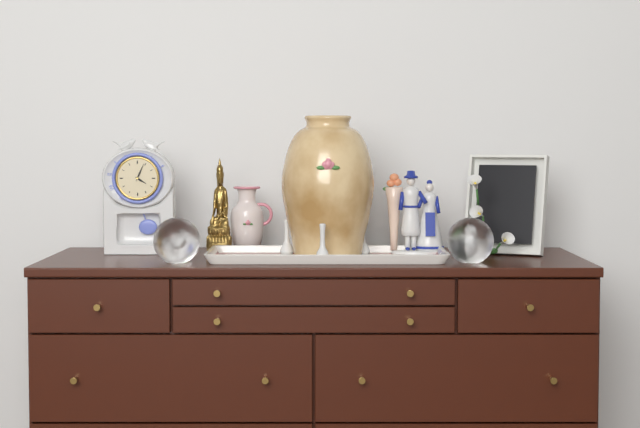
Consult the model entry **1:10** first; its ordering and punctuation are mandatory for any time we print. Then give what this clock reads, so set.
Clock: **4:04**
